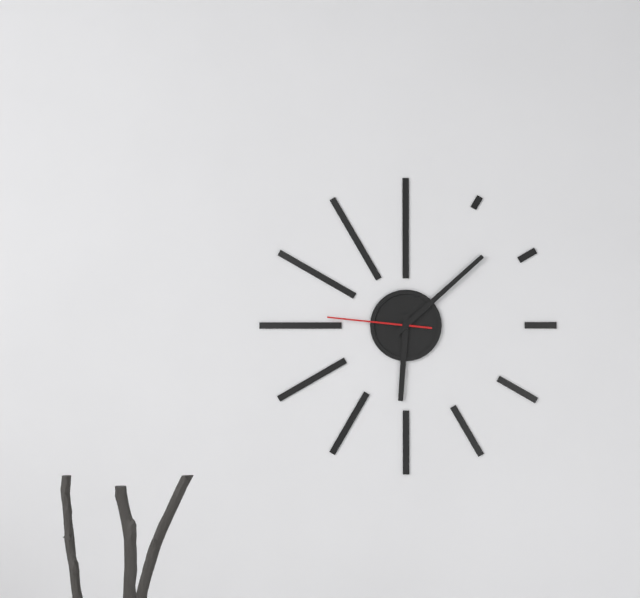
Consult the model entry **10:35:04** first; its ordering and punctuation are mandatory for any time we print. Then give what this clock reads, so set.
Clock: **6:08:46**
